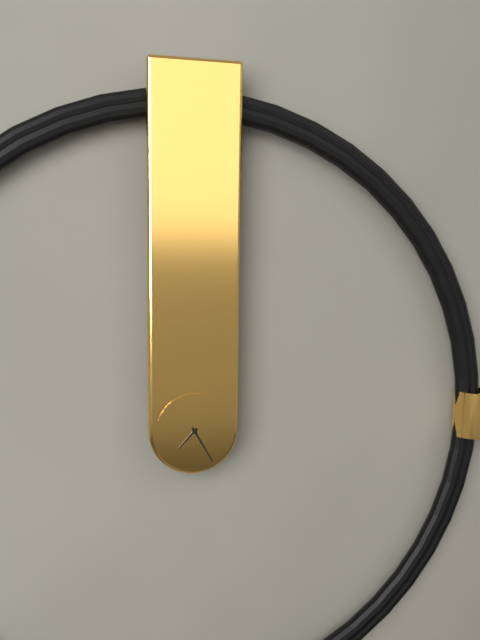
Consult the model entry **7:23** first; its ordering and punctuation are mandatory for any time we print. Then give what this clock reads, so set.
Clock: **7:25**
